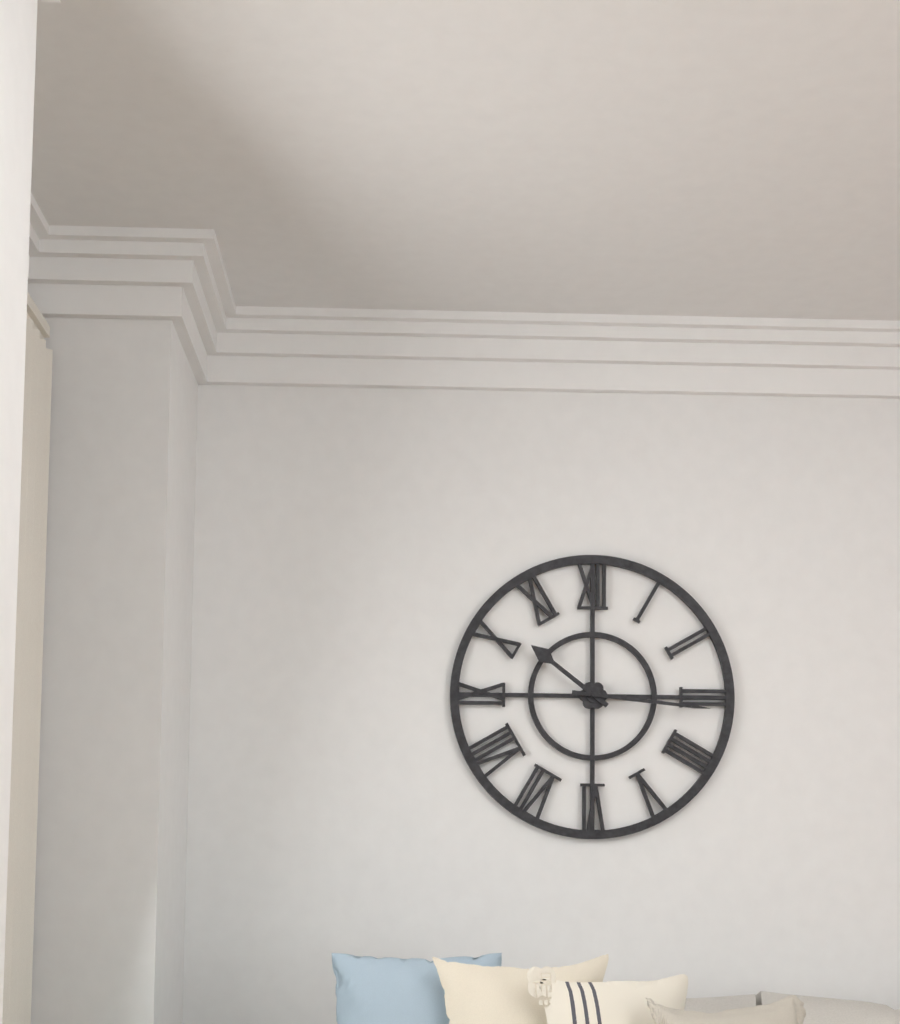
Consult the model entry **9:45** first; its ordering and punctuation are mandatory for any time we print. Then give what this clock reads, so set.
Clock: **10:16**
